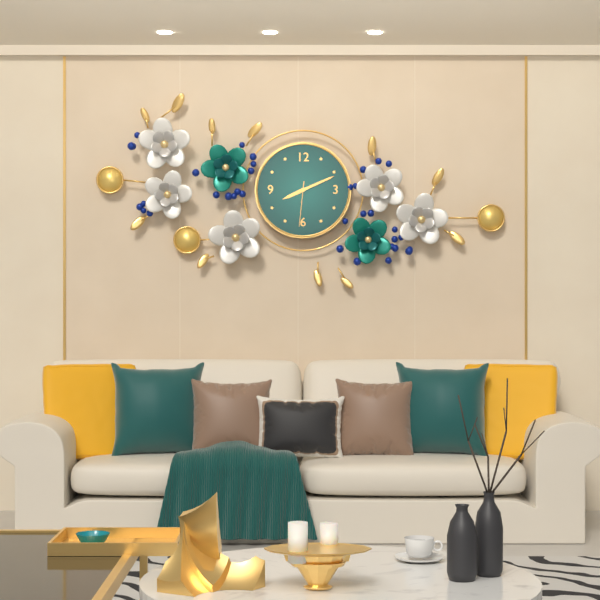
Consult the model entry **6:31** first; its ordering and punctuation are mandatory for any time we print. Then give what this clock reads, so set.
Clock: **8:11**
